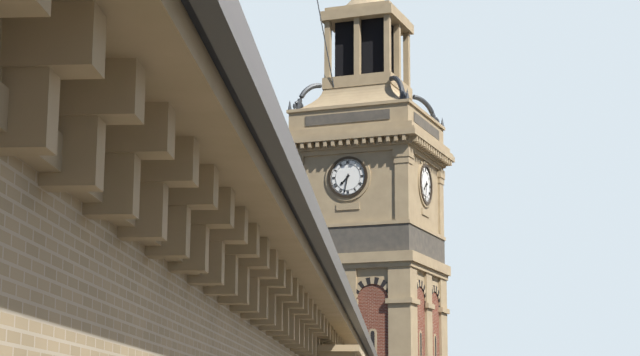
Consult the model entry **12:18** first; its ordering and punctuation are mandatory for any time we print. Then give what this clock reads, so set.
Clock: **7:32**
